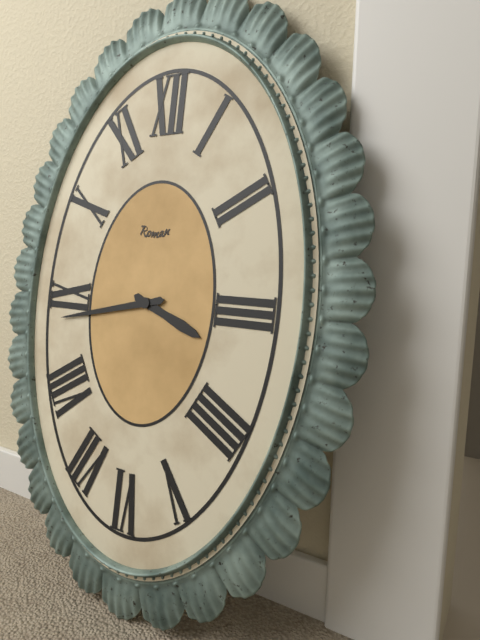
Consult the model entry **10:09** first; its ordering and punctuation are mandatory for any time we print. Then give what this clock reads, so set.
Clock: **3:43**
